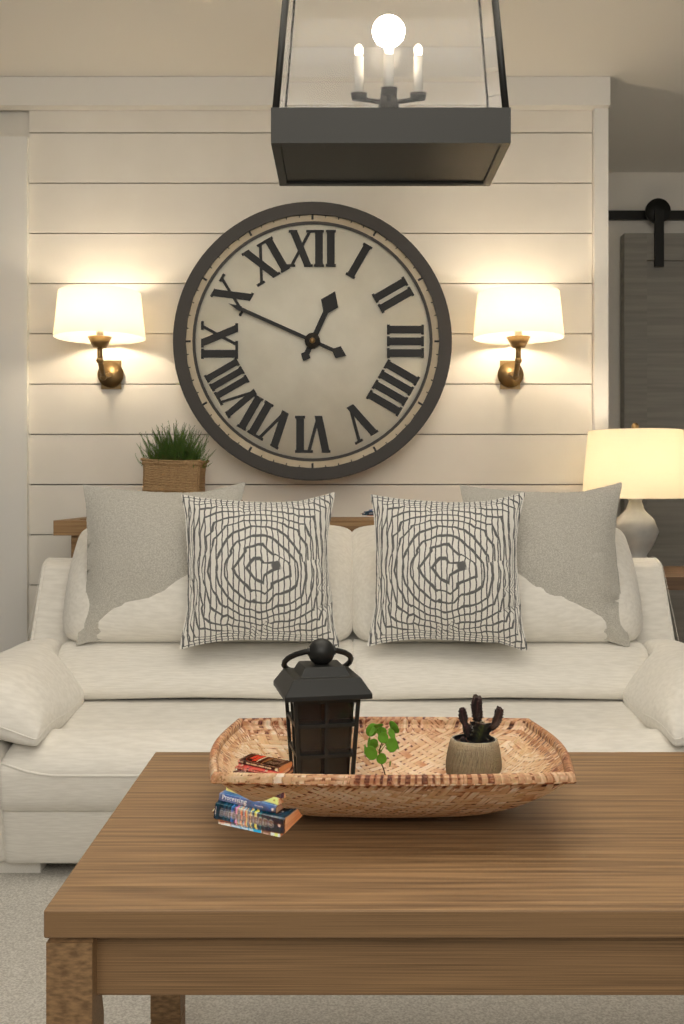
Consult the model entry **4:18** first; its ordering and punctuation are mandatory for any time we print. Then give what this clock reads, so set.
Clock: **12:49**
